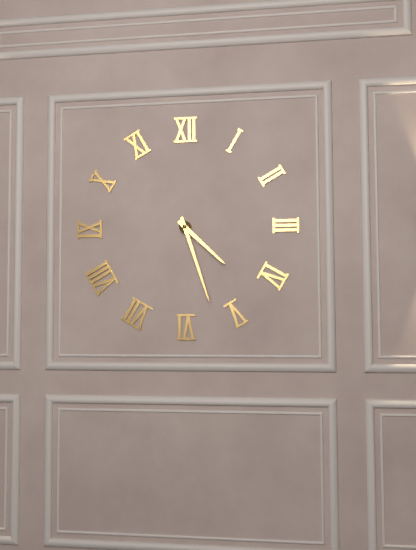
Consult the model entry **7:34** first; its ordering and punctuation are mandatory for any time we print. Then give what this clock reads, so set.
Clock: **4:27**
